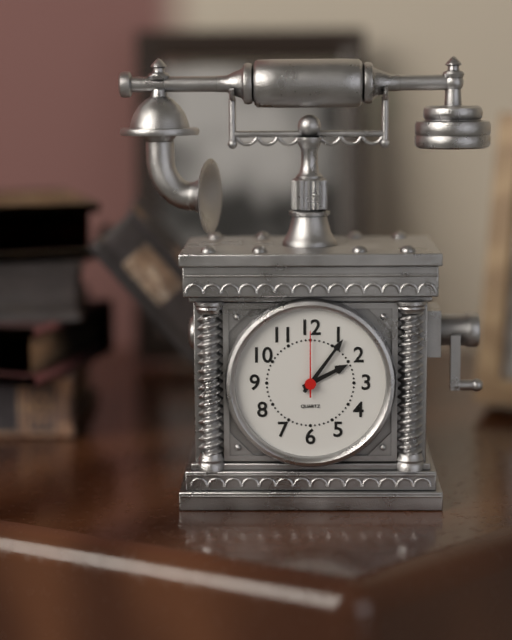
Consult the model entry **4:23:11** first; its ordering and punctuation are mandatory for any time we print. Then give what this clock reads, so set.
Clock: **2:06:00**
